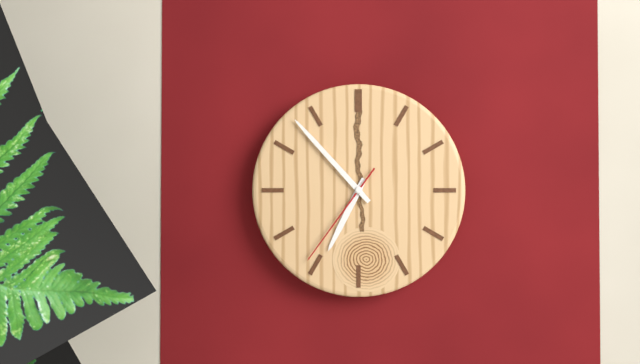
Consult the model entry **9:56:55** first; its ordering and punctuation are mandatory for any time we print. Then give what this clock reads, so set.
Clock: **6:53:36**
